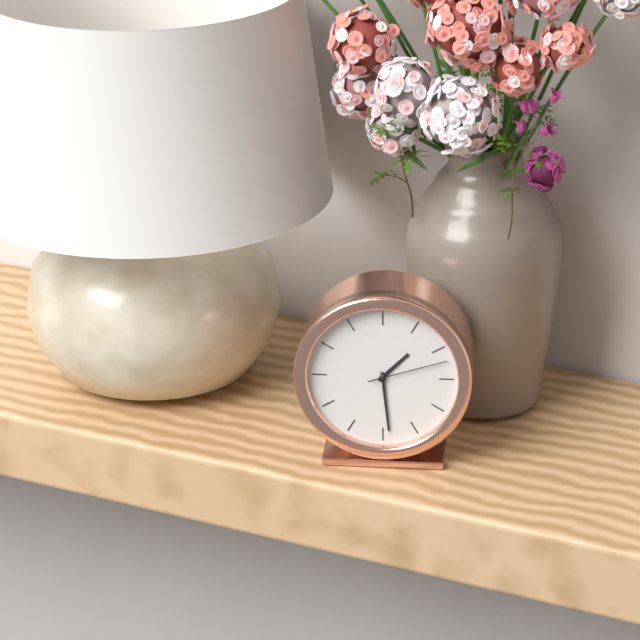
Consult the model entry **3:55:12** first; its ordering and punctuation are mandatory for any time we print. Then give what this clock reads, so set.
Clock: **1:29:12**
